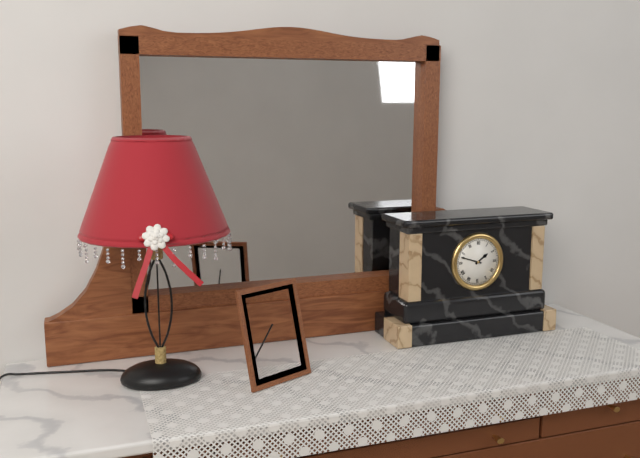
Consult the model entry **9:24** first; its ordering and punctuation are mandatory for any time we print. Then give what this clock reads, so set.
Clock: **1:48**
